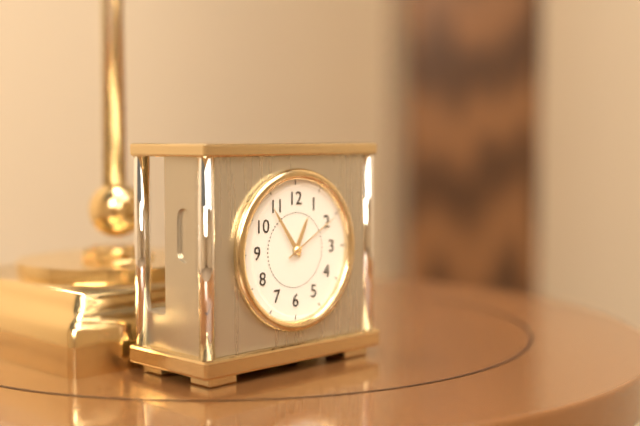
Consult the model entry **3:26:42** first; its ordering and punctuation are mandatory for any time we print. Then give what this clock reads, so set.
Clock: **12:54:10**
